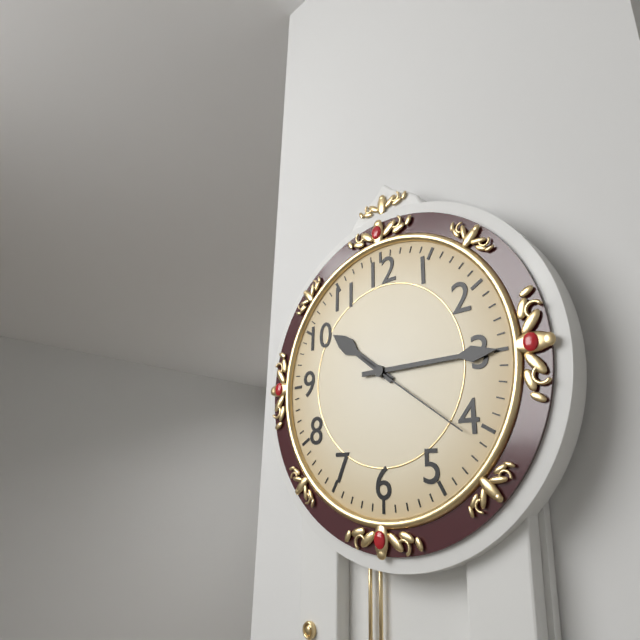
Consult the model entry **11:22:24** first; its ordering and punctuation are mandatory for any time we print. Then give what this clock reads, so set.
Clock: **10:15:21**
